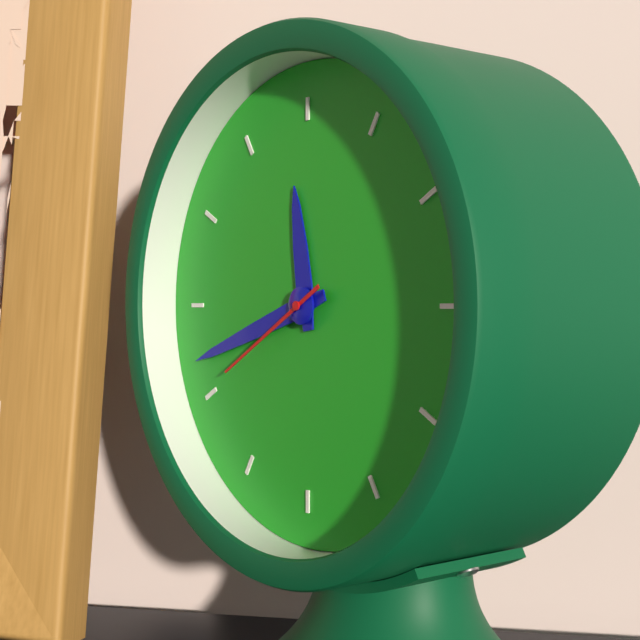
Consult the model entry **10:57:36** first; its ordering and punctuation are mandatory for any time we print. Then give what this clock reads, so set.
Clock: **11:42:40**
